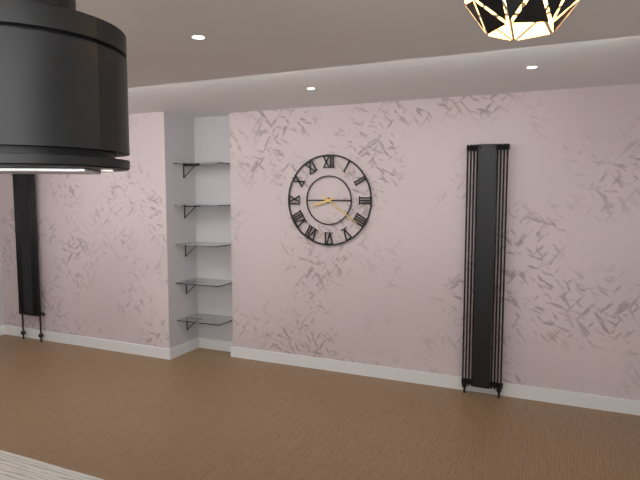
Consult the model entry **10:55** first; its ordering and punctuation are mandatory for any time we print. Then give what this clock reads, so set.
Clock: **8:21**
